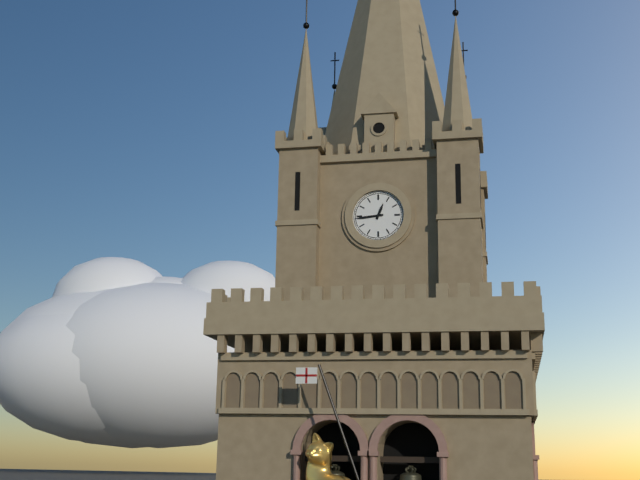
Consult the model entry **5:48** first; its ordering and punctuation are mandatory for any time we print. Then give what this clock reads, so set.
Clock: **12:44**
